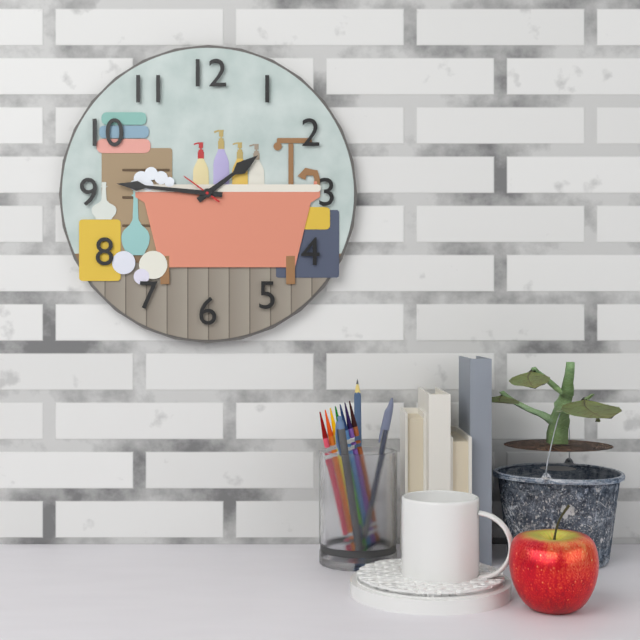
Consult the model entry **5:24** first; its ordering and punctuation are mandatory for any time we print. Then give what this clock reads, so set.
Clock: **1:46**
